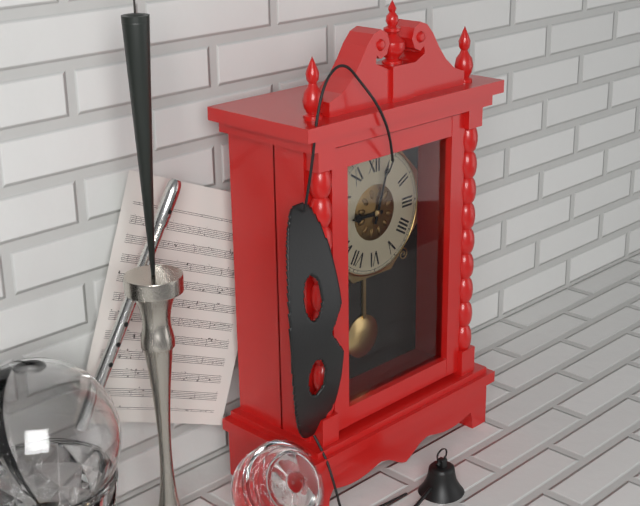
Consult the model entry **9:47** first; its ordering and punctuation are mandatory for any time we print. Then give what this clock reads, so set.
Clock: **9:03**
